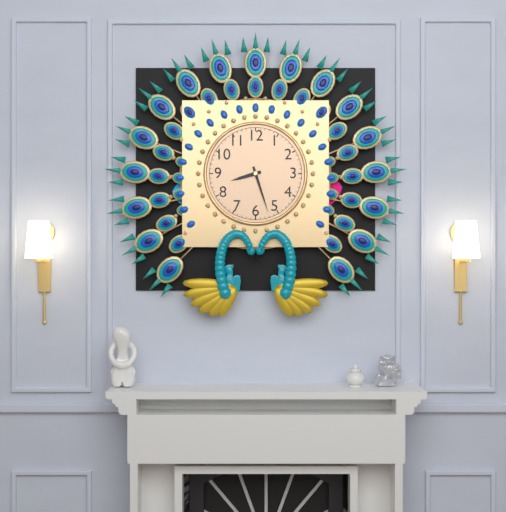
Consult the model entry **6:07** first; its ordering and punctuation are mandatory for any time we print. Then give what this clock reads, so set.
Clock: **8:27**
